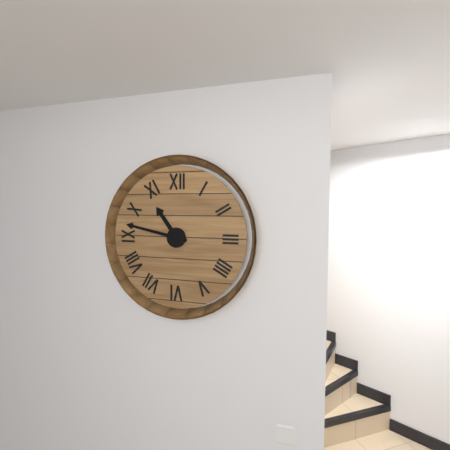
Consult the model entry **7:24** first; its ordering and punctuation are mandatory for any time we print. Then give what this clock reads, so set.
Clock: **10:47**
